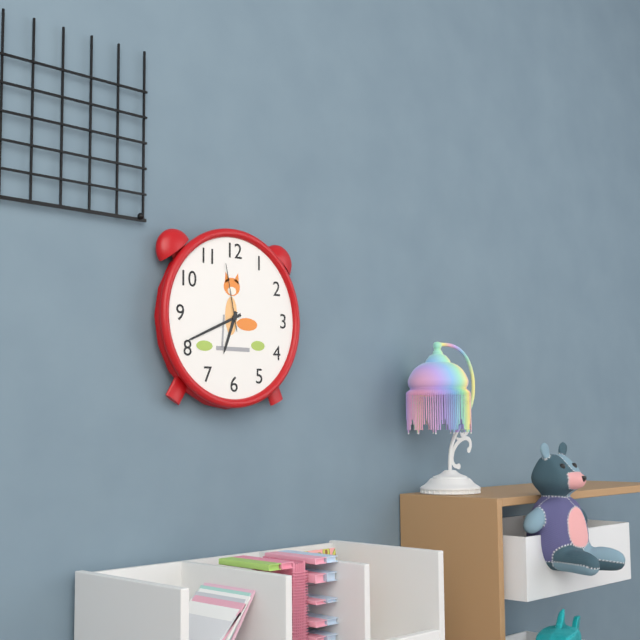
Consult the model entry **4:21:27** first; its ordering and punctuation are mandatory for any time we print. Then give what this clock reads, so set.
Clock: **6:41:58**
